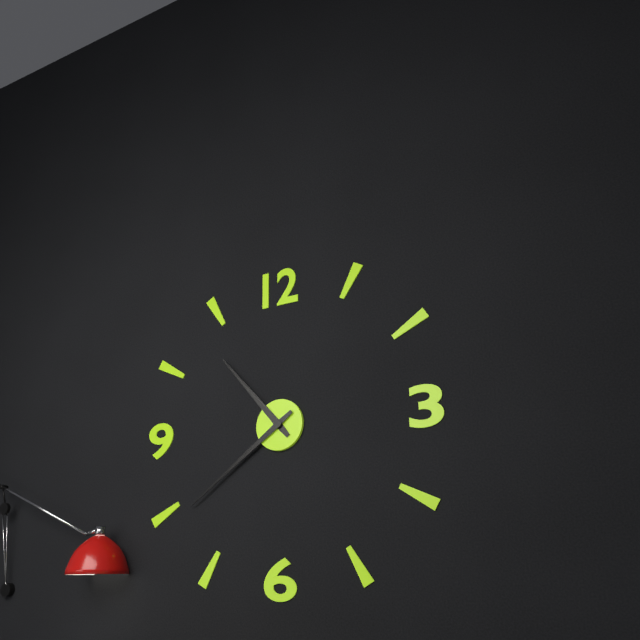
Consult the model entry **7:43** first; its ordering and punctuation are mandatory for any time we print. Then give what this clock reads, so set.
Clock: **10:39**
